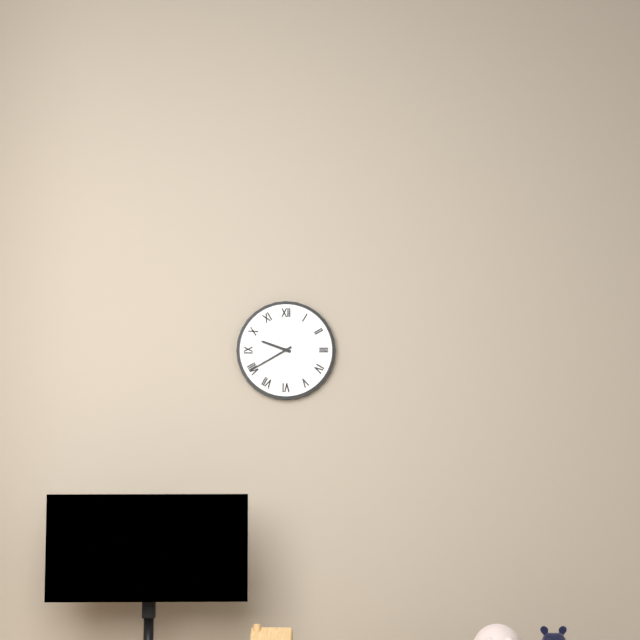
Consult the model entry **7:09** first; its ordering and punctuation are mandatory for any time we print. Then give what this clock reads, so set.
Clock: **9:40**
